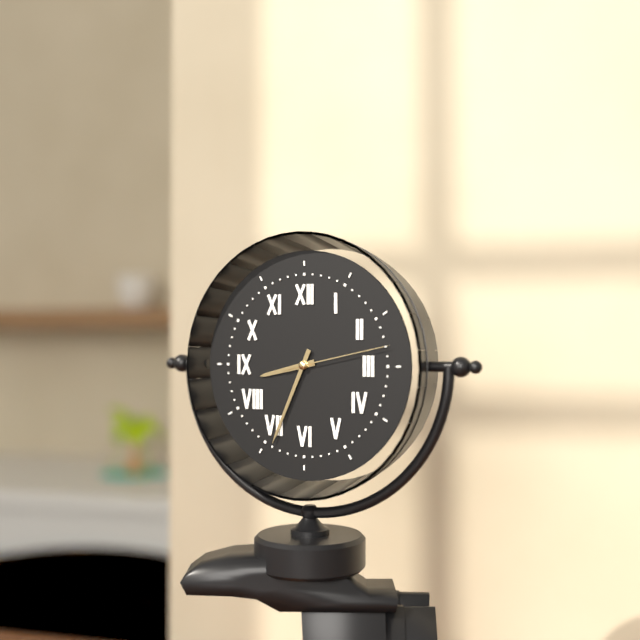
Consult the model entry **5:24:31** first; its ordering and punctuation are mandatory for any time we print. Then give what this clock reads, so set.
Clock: **8:34:13**
